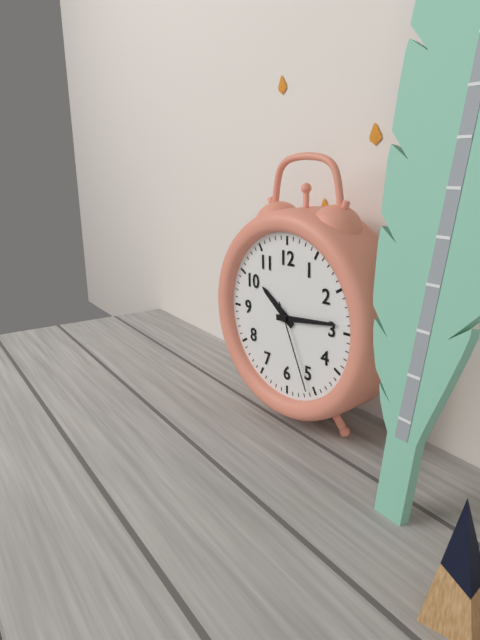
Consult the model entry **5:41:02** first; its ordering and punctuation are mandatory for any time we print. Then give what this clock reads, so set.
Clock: **10:14:26**
